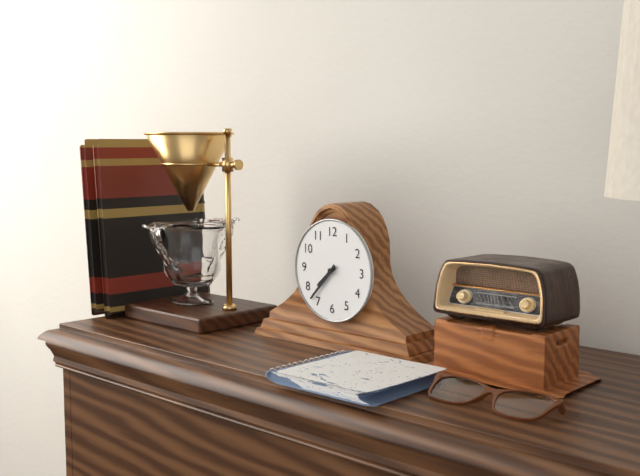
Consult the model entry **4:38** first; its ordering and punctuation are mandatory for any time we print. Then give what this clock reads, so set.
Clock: **7:37**
